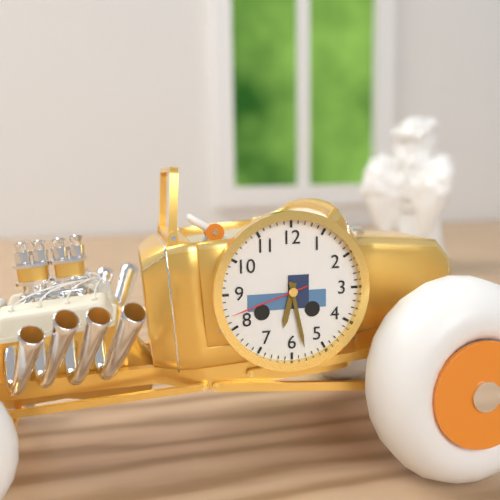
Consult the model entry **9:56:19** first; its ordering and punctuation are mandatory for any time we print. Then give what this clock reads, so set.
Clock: **6:28:42**
